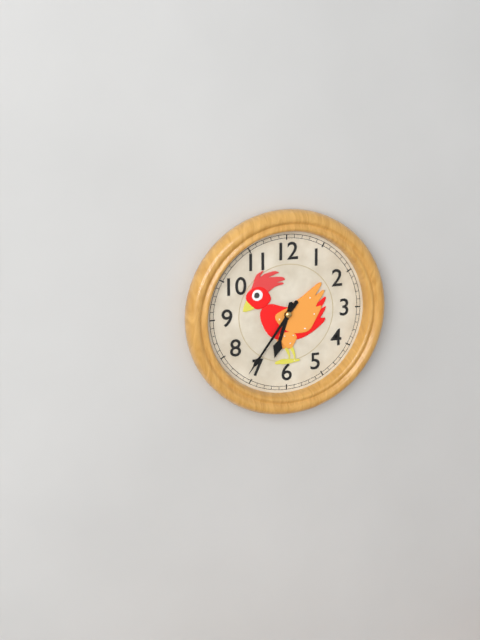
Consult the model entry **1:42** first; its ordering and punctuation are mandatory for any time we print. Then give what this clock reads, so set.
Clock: **6:36**
